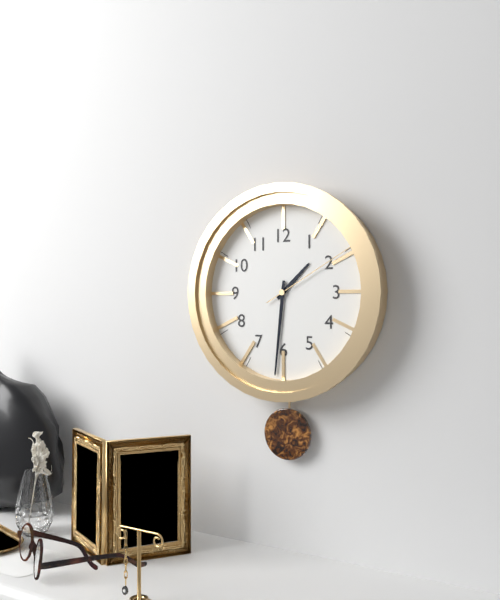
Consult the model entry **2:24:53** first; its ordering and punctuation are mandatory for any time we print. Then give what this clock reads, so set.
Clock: **1:31:10**
